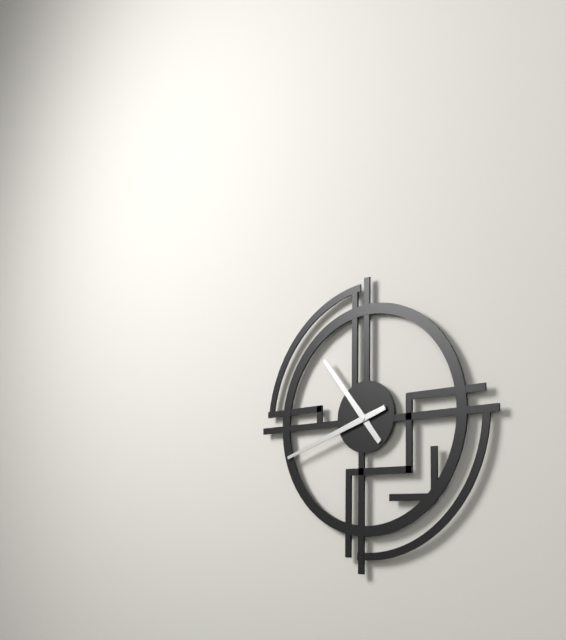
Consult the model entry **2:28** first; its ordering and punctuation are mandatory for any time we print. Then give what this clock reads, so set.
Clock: **10:42**
